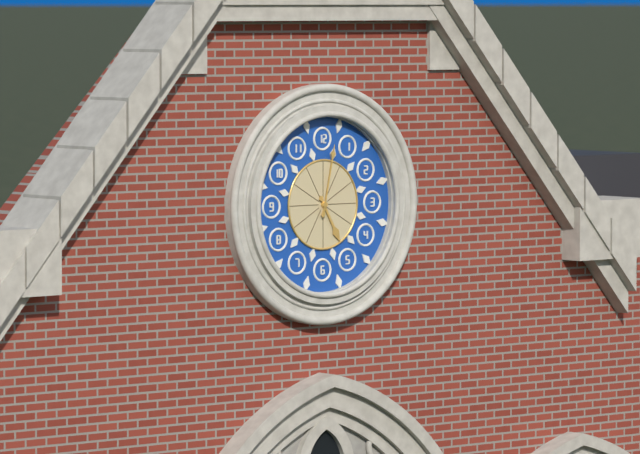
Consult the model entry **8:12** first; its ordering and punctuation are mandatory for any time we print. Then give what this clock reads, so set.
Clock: **5:02**
